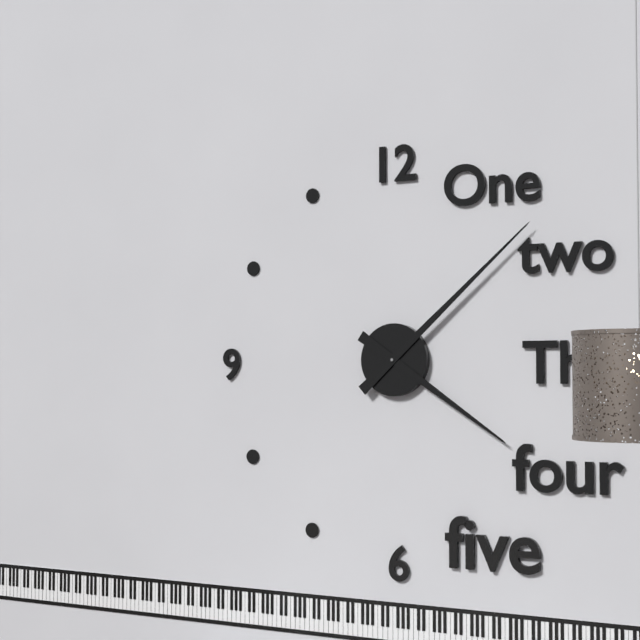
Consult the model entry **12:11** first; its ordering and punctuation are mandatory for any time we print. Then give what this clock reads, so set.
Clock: **4:08**
